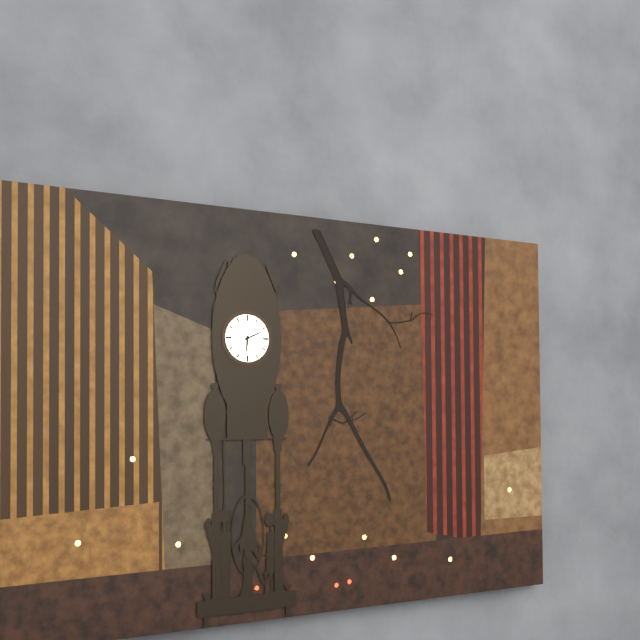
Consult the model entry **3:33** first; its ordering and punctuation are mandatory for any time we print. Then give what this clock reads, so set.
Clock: **6:11**
